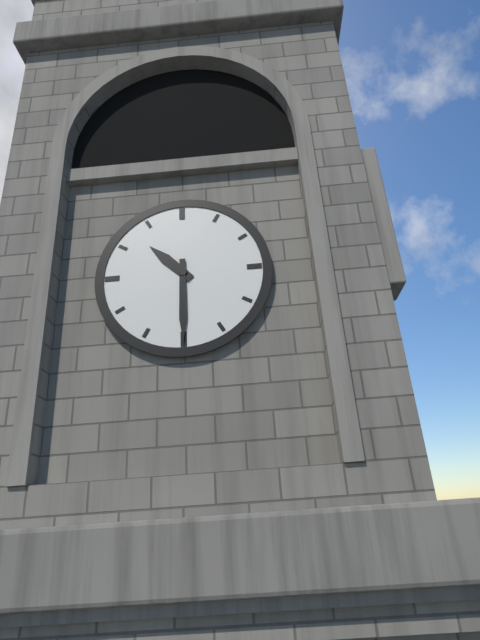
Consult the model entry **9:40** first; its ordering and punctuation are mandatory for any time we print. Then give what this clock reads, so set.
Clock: **10:30**
